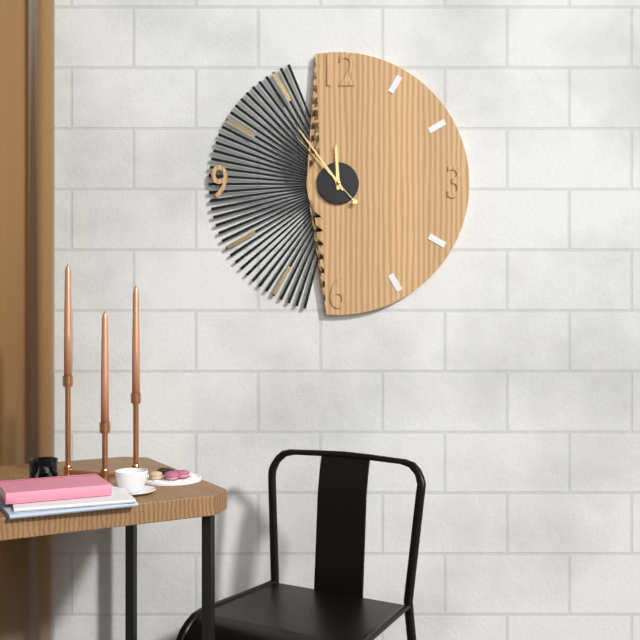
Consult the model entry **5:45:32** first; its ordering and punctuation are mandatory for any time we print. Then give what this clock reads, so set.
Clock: **11:54:53**
